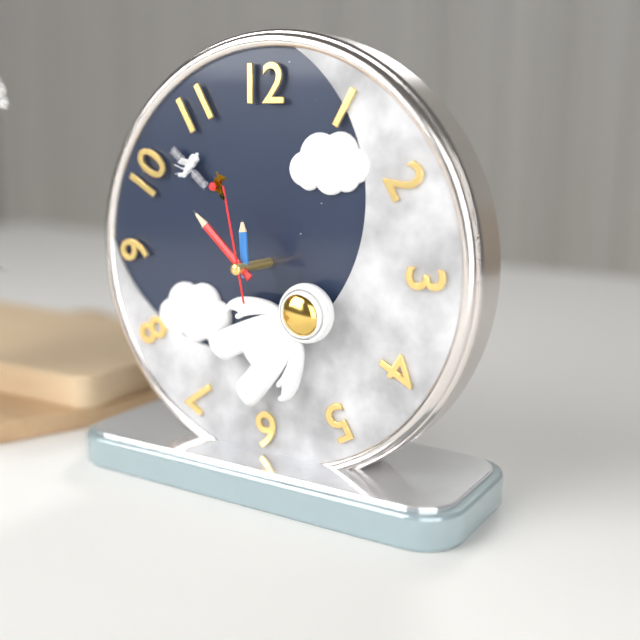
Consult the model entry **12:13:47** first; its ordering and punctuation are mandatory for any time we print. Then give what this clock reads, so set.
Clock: **11:52:58**
